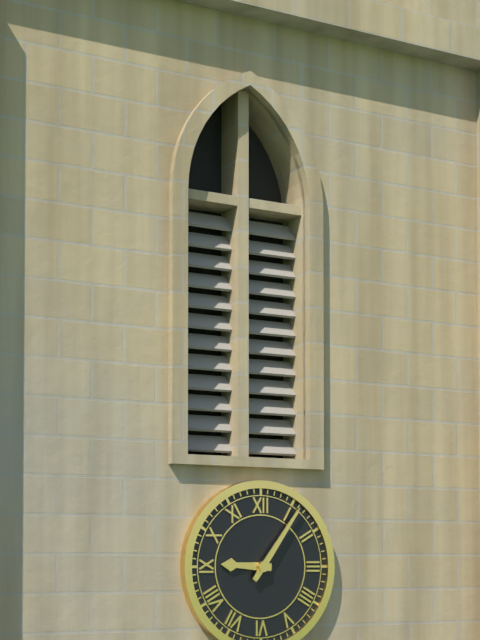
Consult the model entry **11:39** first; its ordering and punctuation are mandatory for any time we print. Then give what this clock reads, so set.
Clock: **9:06**
